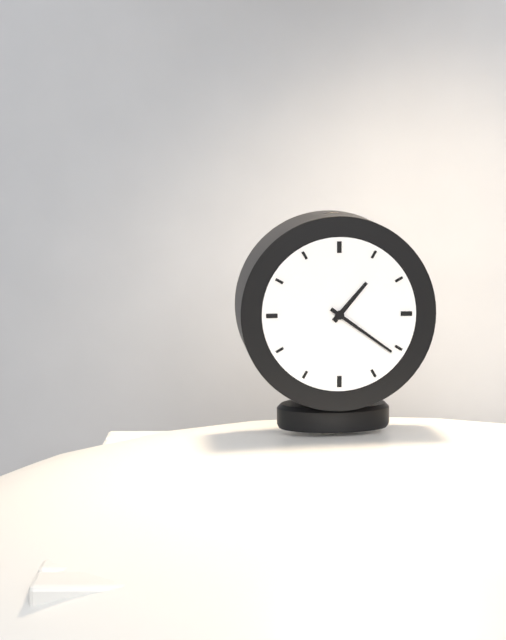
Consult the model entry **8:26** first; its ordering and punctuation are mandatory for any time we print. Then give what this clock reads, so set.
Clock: **1:21**
